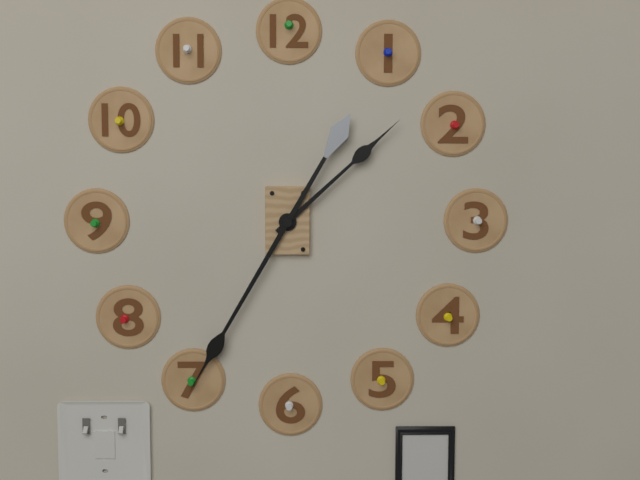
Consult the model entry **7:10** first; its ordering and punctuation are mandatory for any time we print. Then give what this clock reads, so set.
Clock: **1:35**
